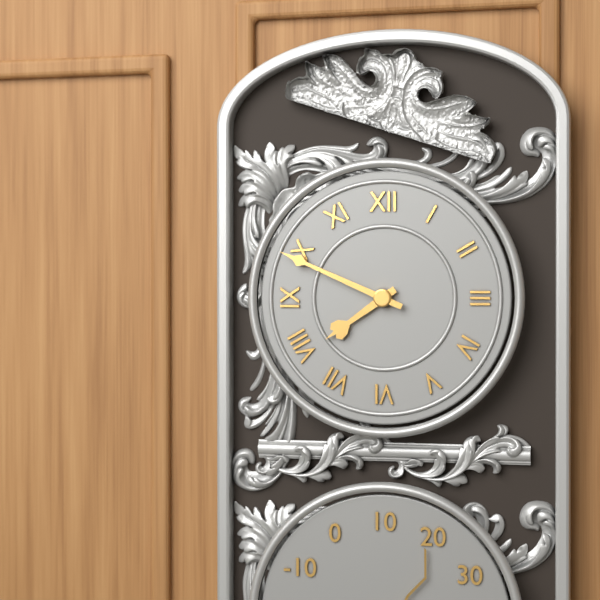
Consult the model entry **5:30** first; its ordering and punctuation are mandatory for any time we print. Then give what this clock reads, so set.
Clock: **7:49**
